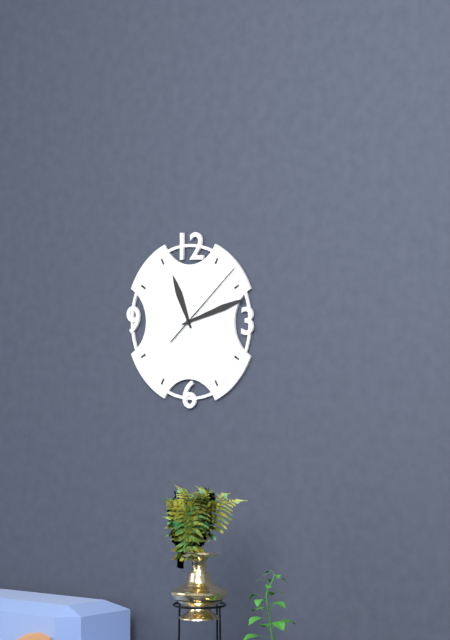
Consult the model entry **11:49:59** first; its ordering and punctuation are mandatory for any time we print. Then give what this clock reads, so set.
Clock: **11:12:08**
